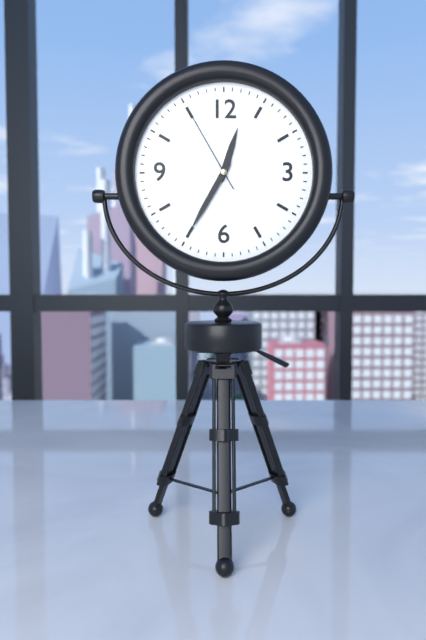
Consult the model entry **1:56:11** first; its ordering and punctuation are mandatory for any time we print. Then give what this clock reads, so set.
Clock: **12:35:55**
